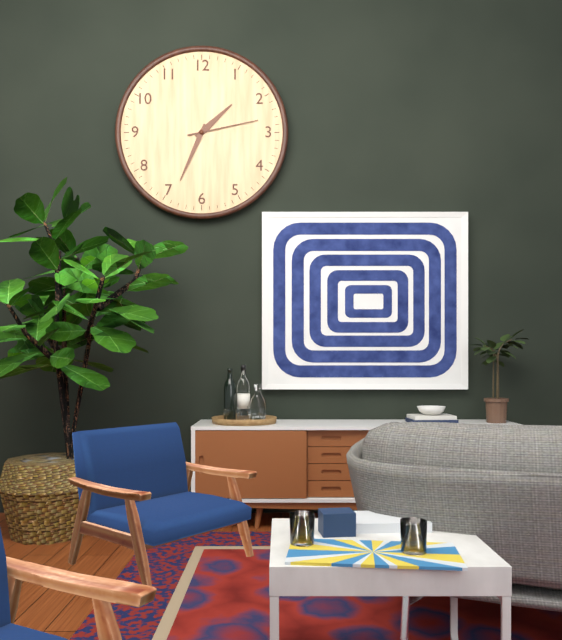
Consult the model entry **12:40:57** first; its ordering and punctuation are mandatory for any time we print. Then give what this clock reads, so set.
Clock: **1:34:13**
